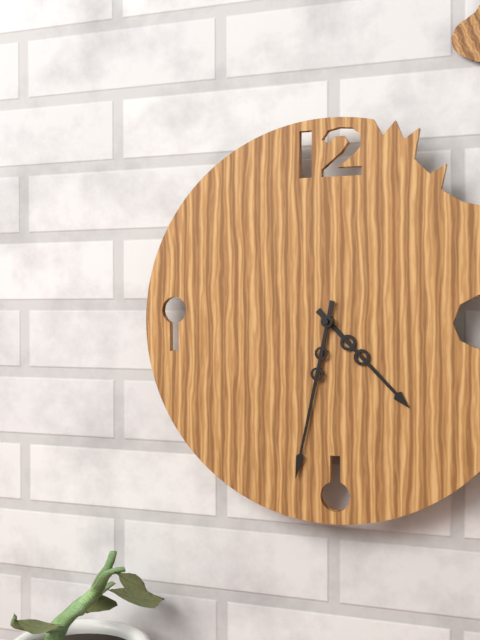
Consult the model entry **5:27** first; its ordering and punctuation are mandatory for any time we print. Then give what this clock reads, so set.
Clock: **4:32**
